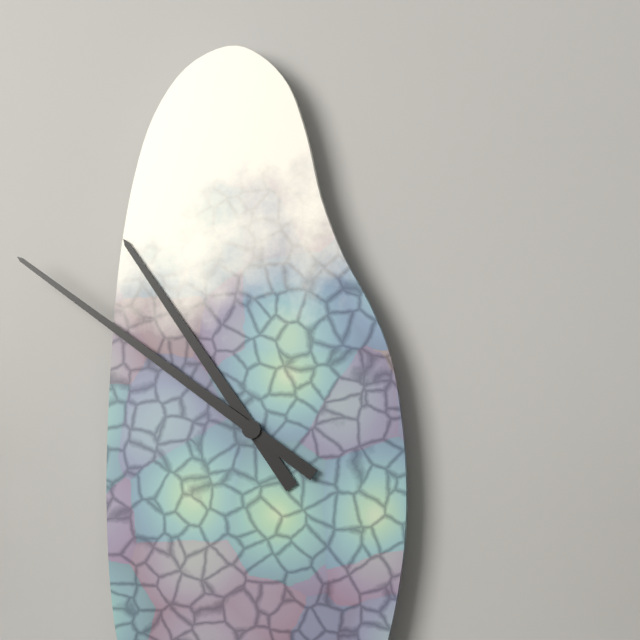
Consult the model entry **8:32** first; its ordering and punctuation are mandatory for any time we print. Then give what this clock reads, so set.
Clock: **10:51**
